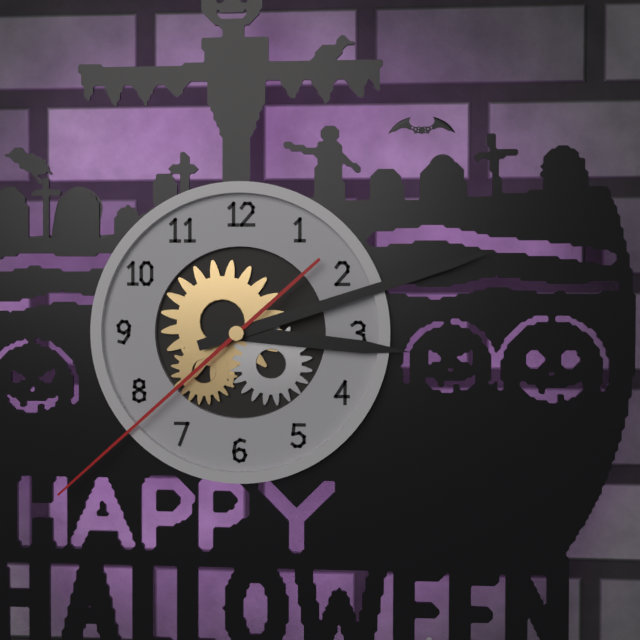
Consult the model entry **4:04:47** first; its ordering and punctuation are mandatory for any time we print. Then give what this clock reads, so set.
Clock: **3:12:38**
